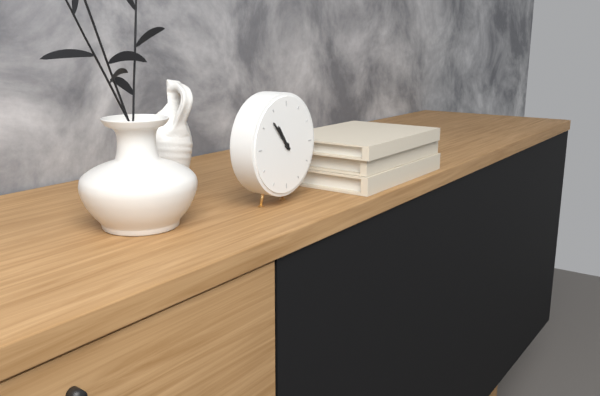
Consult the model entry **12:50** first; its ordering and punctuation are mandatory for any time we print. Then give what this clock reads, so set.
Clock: **10:53**
